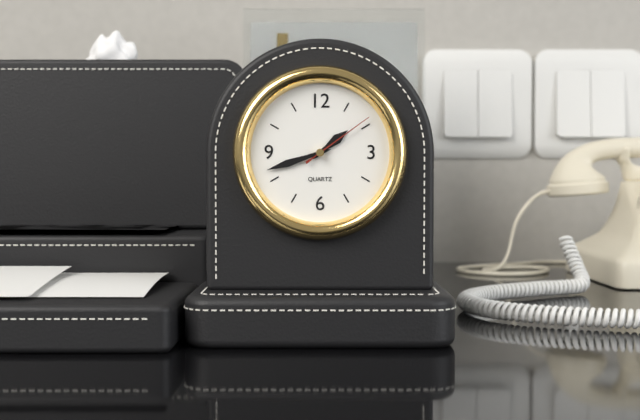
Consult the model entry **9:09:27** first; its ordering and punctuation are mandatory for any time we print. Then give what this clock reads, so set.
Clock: **1:42:09**
